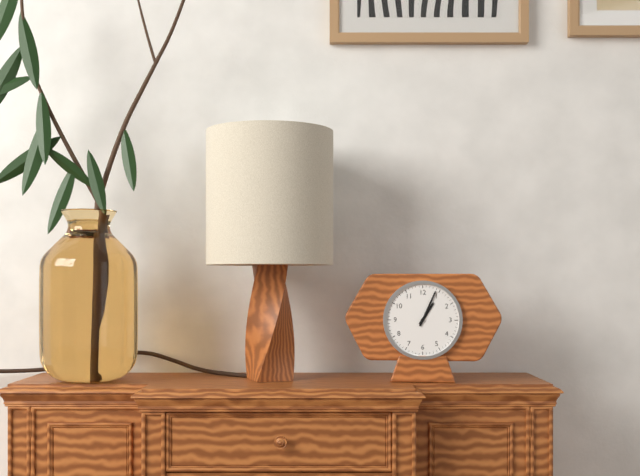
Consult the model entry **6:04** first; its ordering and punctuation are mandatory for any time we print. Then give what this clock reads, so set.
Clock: **1:04**
